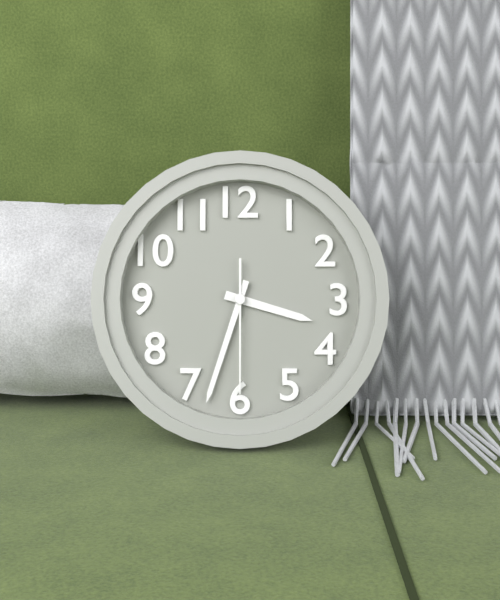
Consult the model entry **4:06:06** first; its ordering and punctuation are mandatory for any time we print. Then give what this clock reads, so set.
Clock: **3:33:30**
